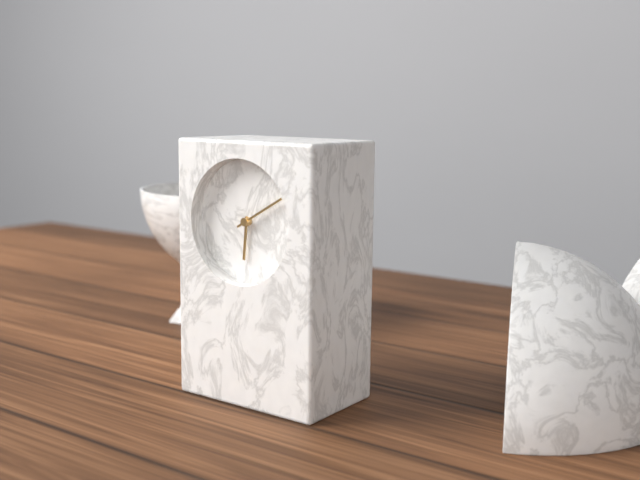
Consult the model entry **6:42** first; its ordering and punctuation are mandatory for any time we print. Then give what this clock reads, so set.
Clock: **6:10**
